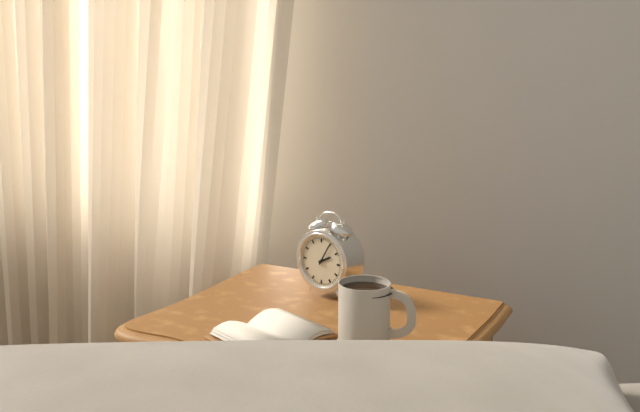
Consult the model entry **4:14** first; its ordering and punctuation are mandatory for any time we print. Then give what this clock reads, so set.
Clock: **2:05**
